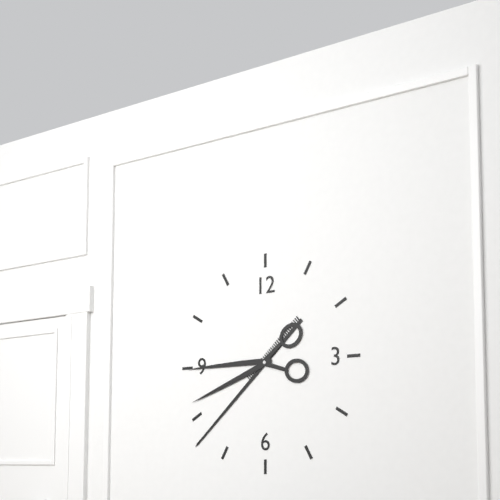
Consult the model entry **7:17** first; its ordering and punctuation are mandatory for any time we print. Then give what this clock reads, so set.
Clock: **8:38**
